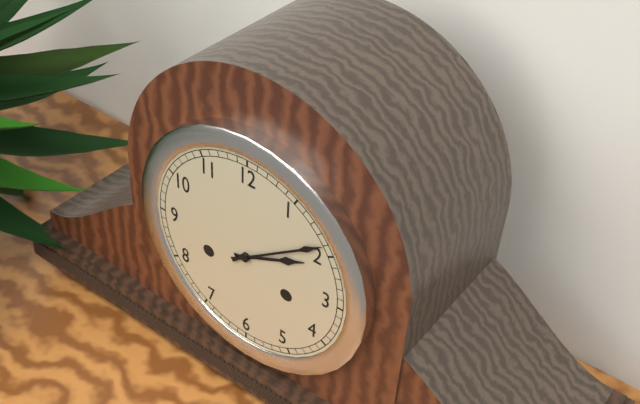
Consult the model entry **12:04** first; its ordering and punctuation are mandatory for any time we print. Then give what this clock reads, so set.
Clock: **2:09**
